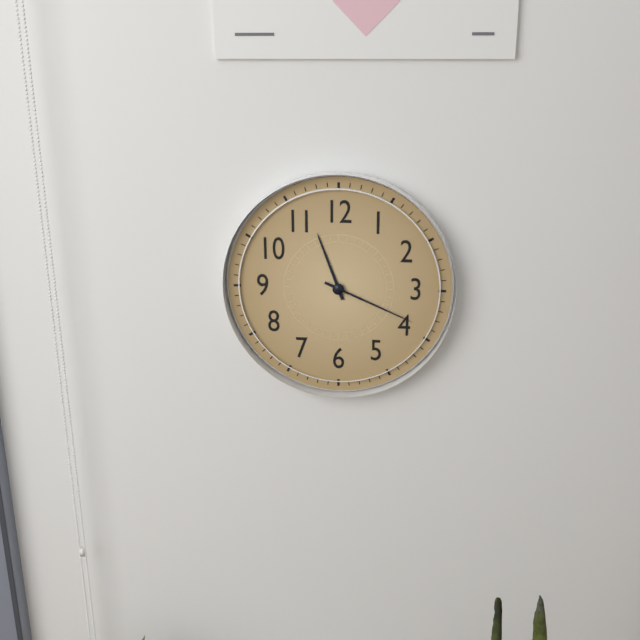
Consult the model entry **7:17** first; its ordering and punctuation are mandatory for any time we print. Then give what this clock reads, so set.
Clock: **11:19**
